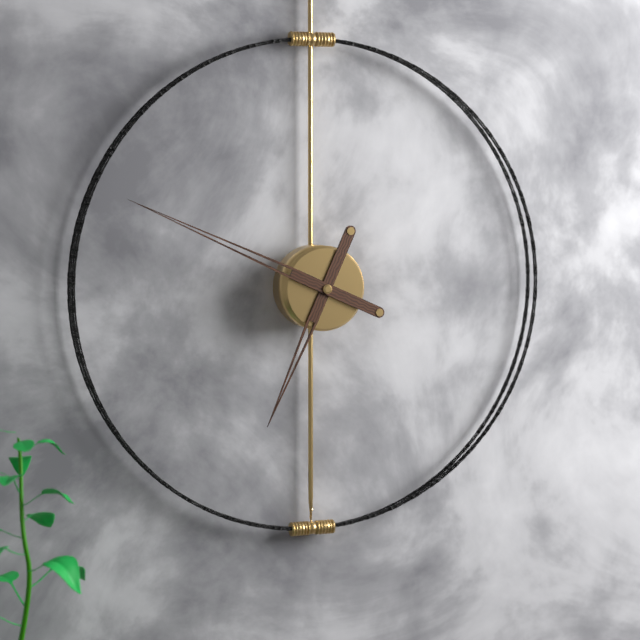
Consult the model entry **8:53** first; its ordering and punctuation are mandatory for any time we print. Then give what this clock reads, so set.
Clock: **6:49**
